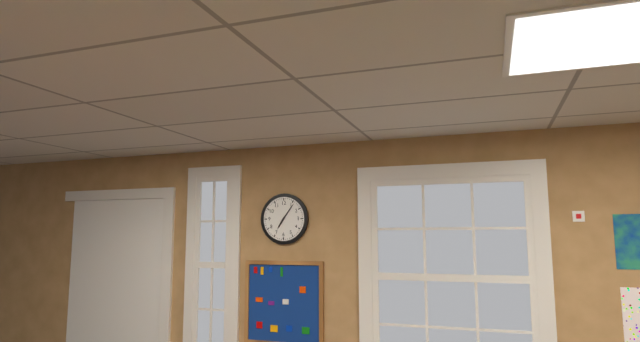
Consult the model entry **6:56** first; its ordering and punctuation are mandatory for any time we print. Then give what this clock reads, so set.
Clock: **7:06**
